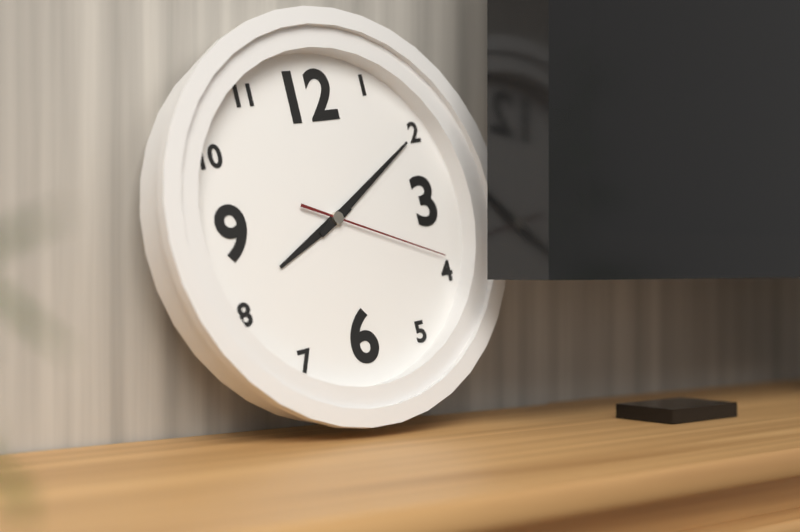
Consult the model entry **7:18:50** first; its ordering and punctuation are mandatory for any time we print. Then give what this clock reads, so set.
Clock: **8:10:19**
